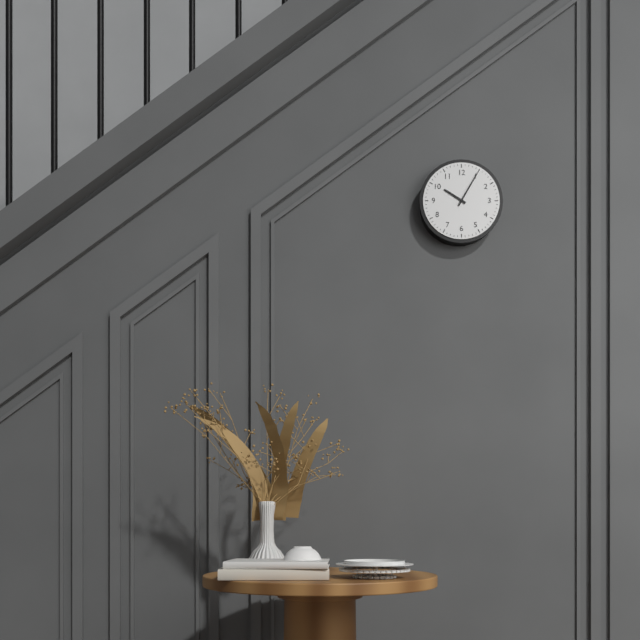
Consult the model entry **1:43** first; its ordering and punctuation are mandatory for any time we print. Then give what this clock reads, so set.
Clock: **10:05**
